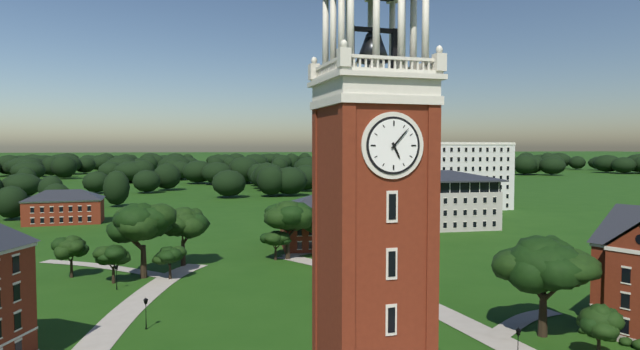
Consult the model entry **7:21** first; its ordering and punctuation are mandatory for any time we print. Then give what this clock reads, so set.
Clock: **5:07**
